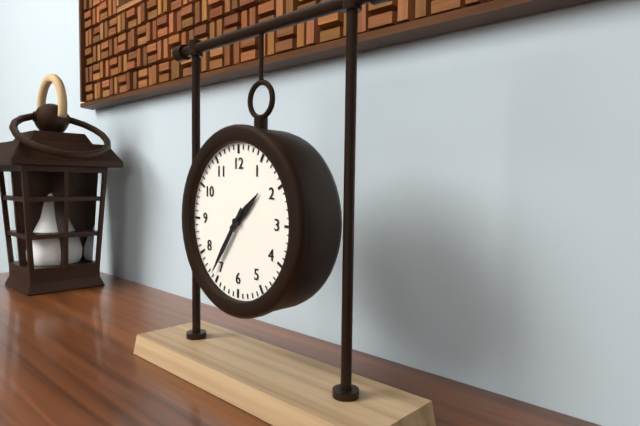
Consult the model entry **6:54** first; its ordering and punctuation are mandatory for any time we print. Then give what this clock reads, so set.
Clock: **1:36**
